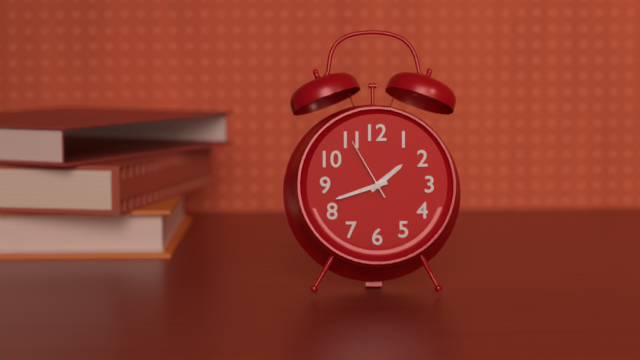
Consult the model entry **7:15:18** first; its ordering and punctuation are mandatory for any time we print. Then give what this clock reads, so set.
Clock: **1:42:55**
